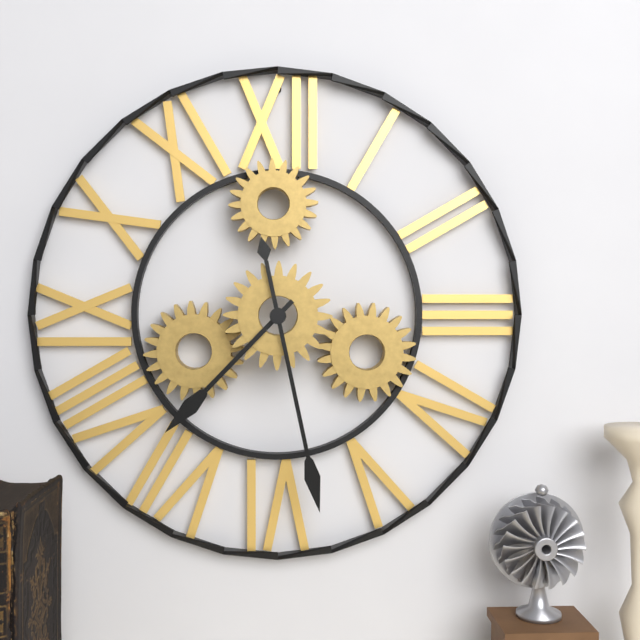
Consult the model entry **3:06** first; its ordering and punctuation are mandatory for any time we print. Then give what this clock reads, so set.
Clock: **7:28**
